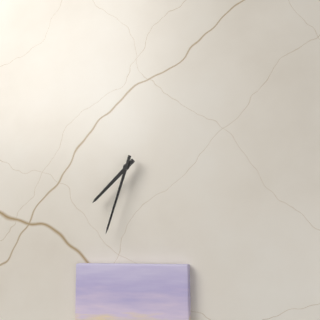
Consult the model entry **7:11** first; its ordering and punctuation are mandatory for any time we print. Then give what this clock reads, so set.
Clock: **7:33**
